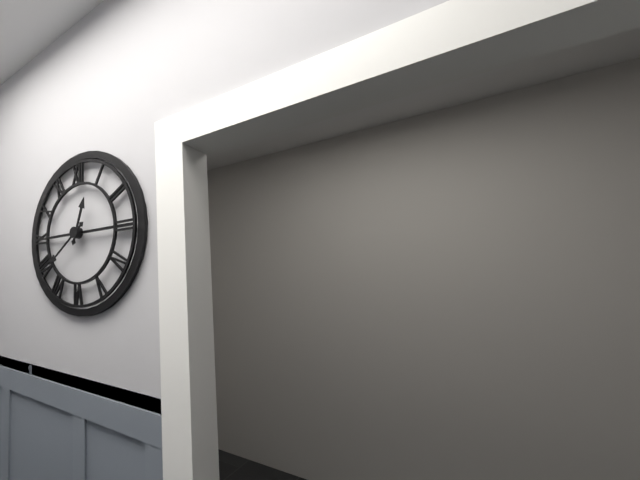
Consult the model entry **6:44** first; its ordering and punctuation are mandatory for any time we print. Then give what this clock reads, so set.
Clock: **12:39**
